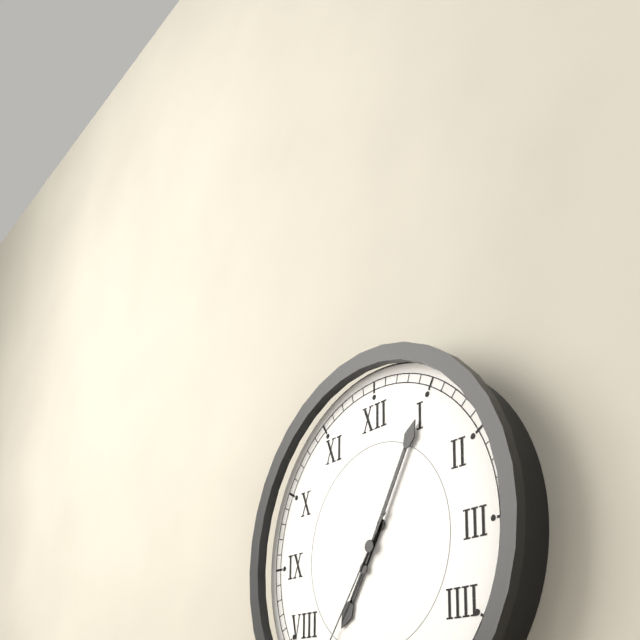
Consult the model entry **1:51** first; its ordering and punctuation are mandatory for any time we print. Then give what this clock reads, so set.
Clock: **7:05**
